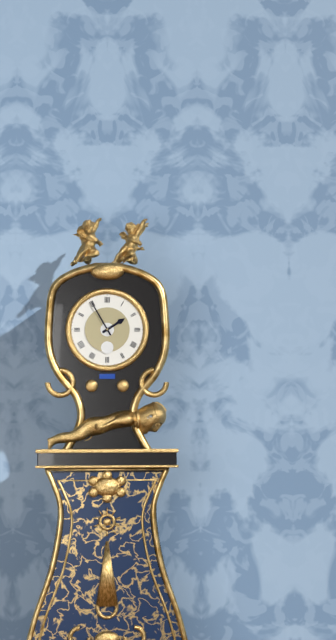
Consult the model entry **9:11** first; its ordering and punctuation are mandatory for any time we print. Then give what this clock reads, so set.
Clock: **1:55**
